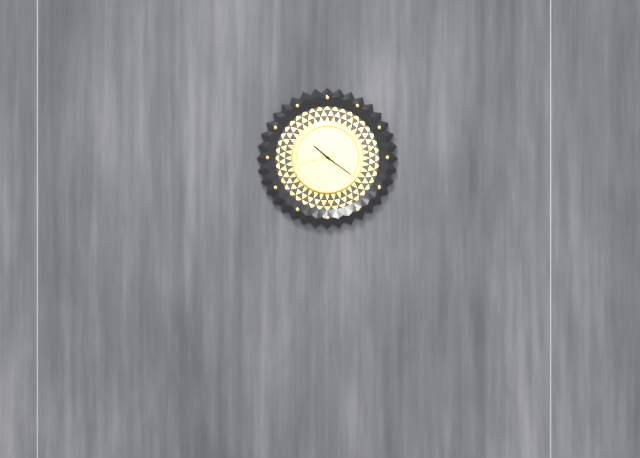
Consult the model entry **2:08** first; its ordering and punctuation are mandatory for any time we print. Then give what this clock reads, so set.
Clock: **10:21**
